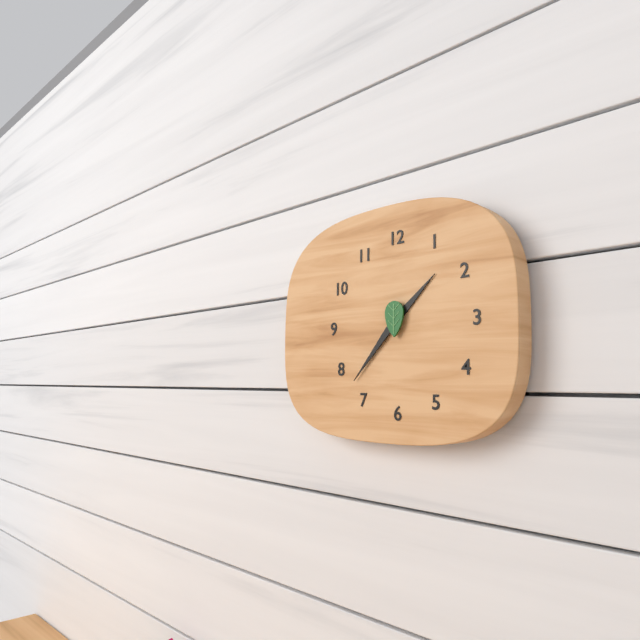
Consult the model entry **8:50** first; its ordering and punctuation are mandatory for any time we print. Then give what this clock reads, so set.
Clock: **1:37**
